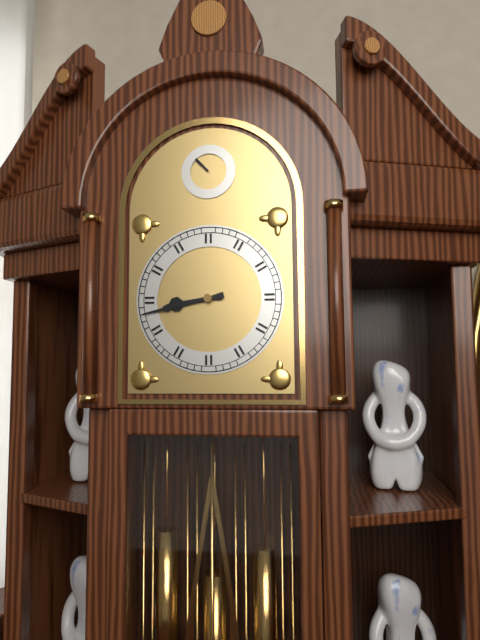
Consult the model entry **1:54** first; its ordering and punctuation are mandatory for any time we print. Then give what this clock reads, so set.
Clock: **8:43**
